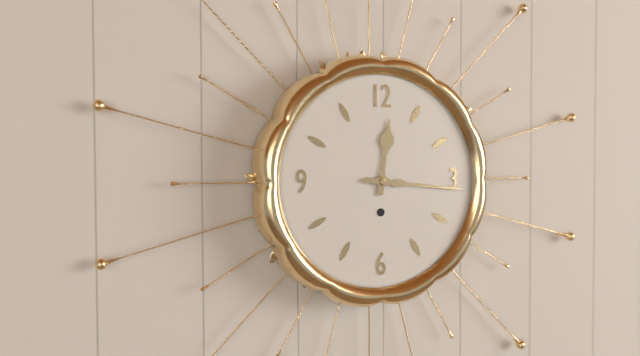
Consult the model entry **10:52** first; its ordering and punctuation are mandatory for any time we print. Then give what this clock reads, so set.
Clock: **12:16**
